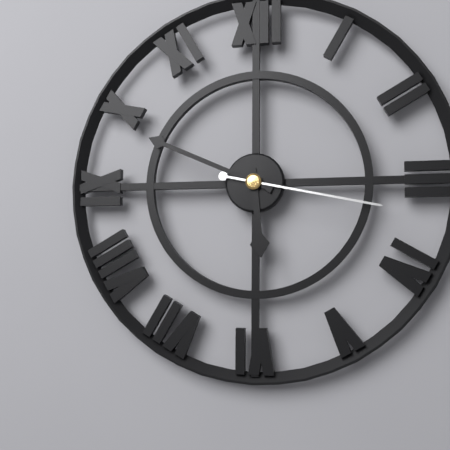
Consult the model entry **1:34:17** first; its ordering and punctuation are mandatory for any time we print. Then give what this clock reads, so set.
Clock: **5:49:17**
